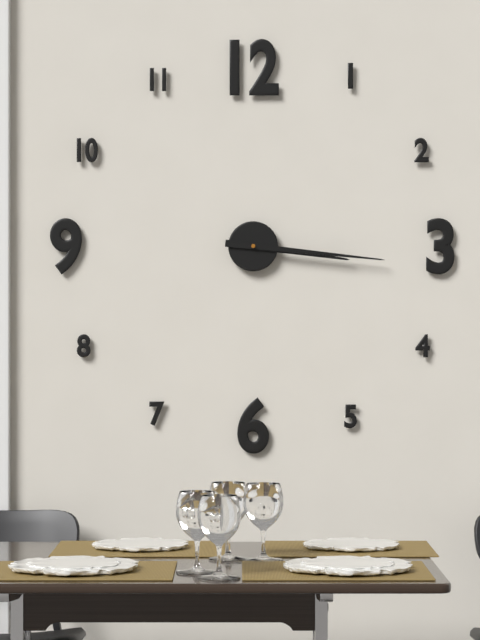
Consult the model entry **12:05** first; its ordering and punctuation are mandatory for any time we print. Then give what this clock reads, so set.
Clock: **3:16**
